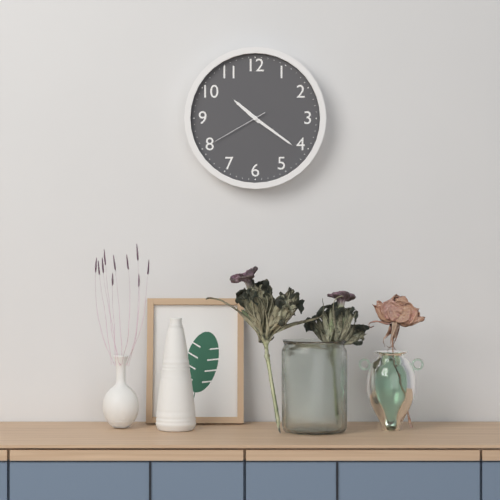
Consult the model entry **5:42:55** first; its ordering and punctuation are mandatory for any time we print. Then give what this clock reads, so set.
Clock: **10:21:40**
